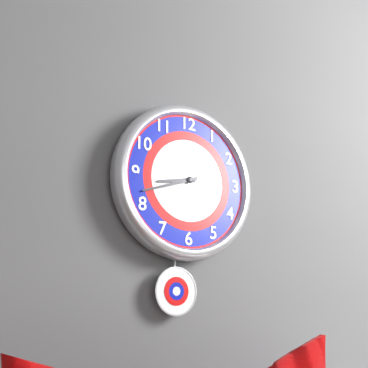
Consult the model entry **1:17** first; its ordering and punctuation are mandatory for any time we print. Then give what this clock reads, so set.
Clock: **8:42**
